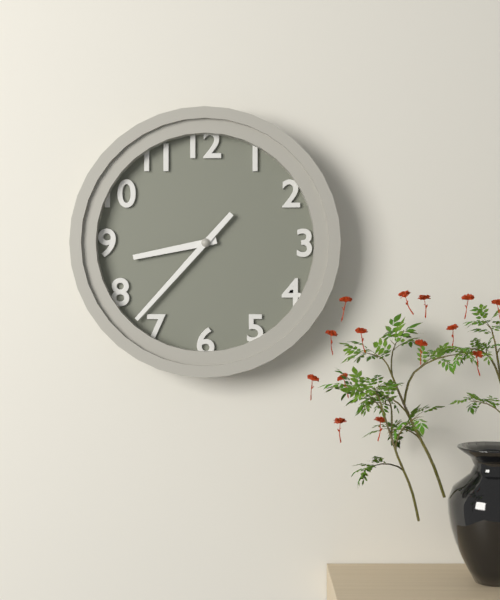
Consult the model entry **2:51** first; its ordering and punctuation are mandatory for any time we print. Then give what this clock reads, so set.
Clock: **8:37**
